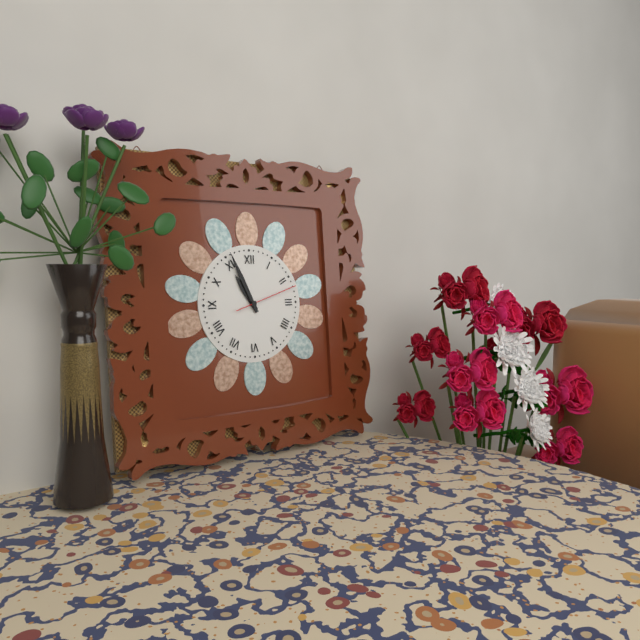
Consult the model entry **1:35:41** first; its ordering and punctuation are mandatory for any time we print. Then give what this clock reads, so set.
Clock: **10:56:12**
